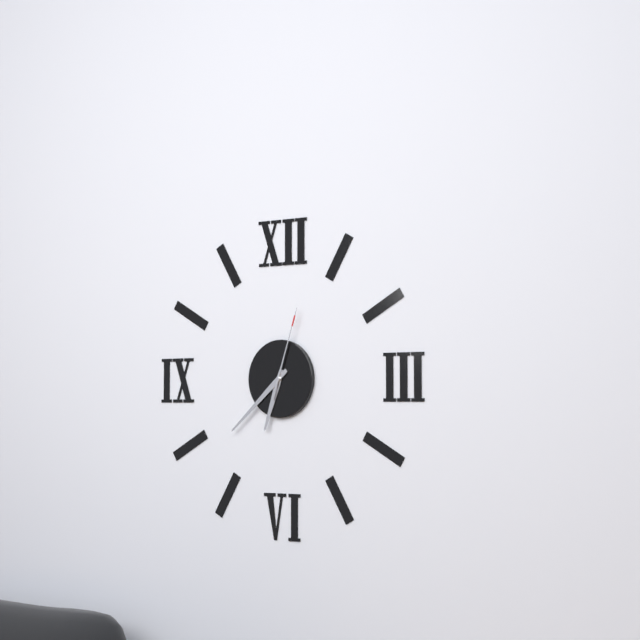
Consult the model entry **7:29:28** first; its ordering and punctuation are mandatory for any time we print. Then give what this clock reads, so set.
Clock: **6:38:03**
